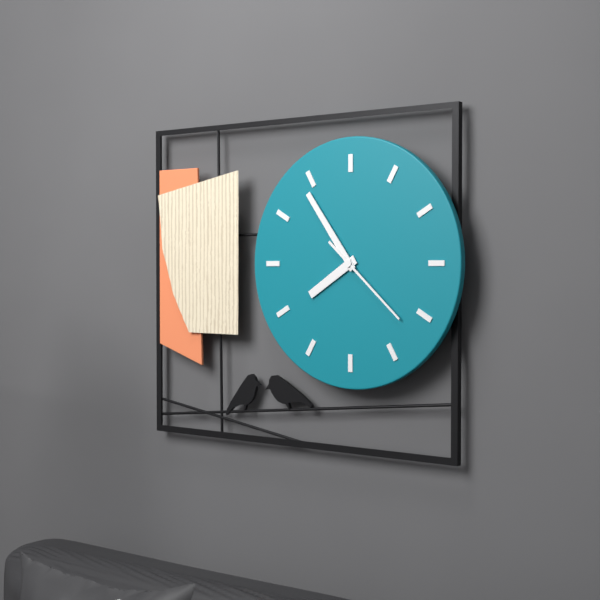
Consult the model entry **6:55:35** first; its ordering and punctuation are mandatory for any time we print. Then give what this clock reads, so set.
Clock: **7:54:22**
